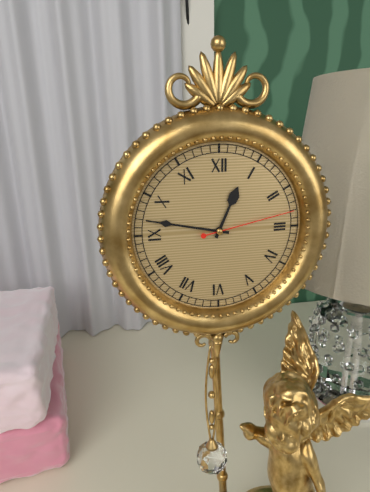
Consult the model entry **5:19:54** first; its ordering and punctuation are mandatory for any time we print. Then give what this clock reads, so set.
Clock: **12:47:13**
